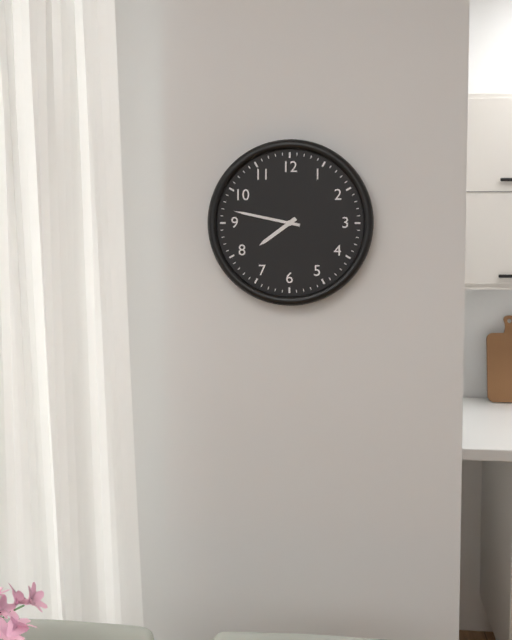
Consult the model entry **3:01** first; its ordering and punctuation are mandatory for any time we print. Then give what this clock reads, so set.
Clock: **7:47**
